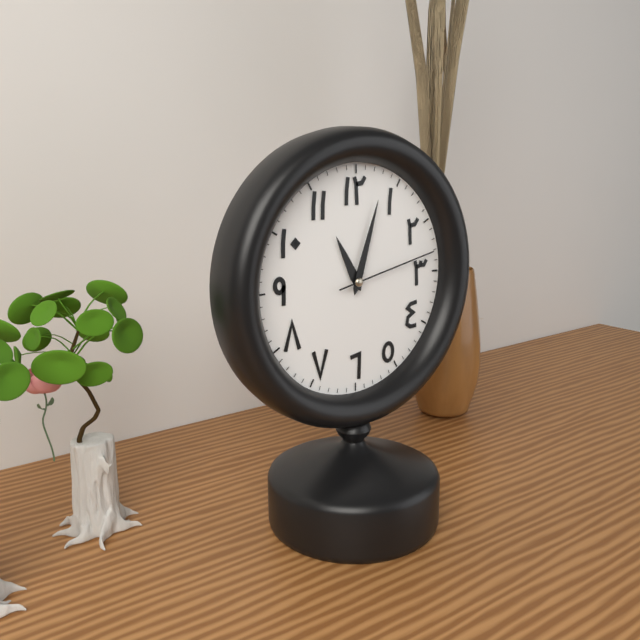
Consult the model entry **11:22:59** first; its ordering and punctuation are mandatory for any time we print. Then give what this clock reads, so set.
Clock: **11:03:13**
